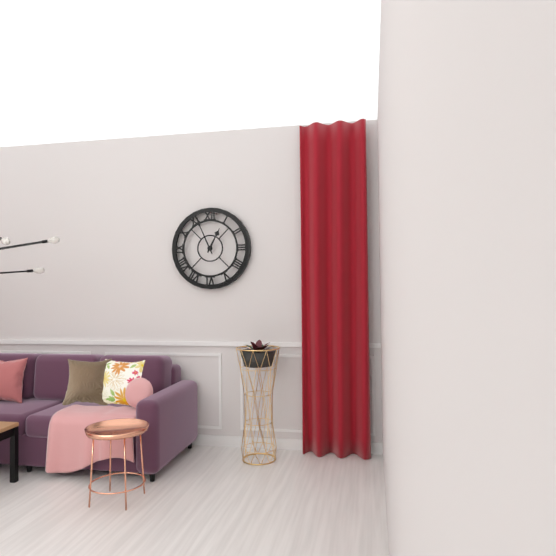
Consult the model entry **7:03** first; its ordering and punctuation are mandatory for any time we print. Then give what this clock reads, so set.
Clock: **12:56**
